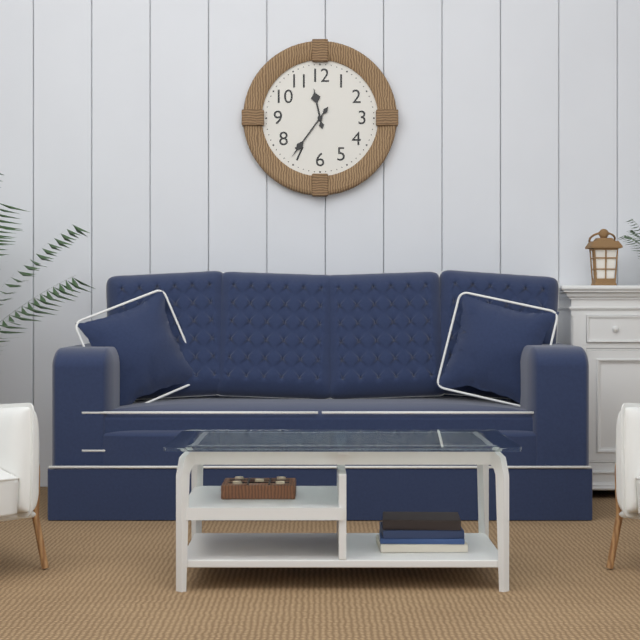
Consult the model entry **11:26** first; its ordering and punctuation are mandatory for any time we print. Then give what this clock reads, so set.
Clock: **11:36**
